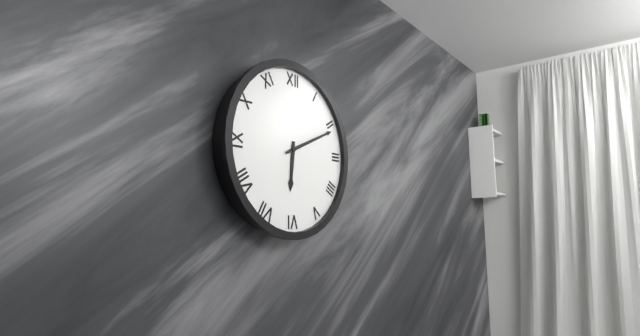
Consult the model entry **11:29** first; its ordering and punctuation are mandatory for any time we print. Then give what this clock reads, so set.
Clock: **6:11**
